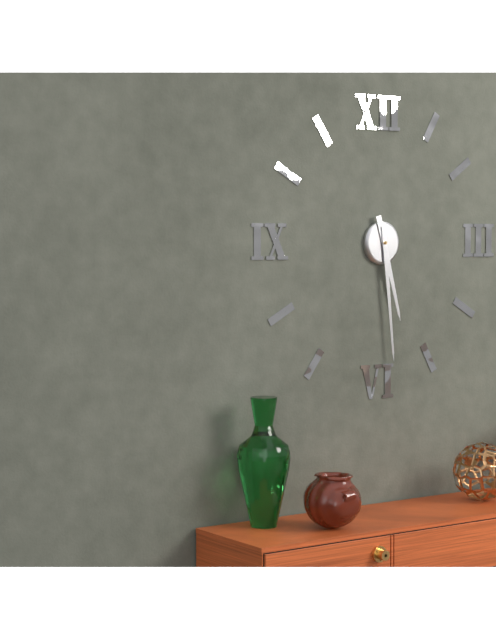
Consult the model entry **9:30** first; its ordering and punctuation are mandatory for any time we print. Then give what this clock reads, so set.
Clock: **5:29**
